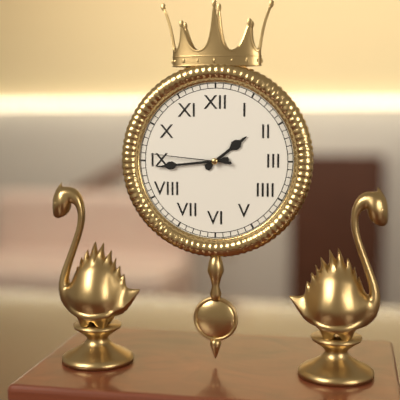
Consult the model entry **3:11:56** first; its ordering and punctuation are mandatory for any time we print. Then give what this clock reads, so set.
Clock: **1:44:46**
